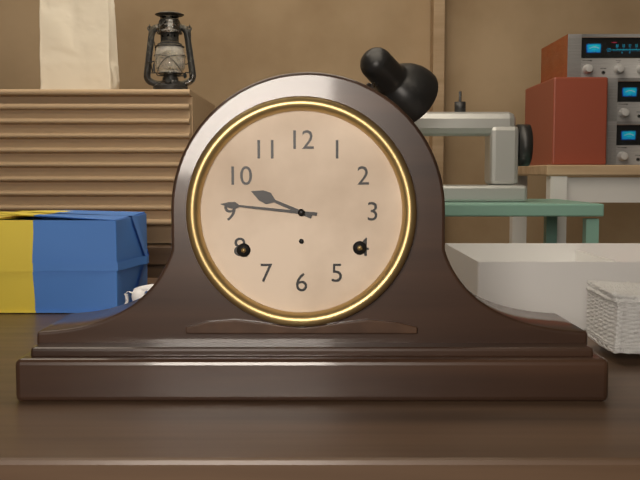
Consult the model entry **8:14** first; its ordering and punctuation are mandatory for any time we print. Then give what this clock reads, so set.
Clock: **9:46**
